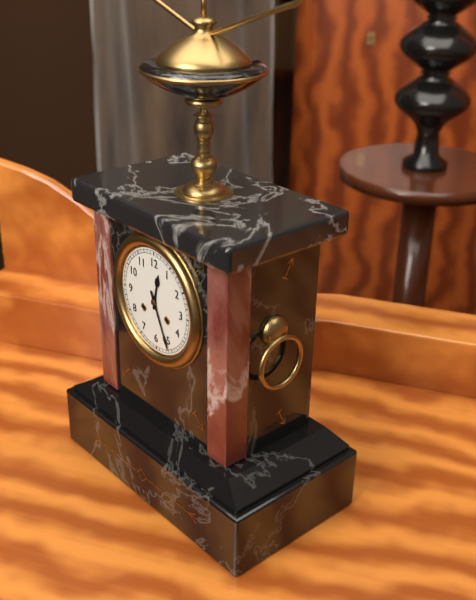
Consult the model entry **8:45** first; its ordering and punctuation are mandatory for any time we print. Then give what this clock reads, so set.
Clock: **12:26**
